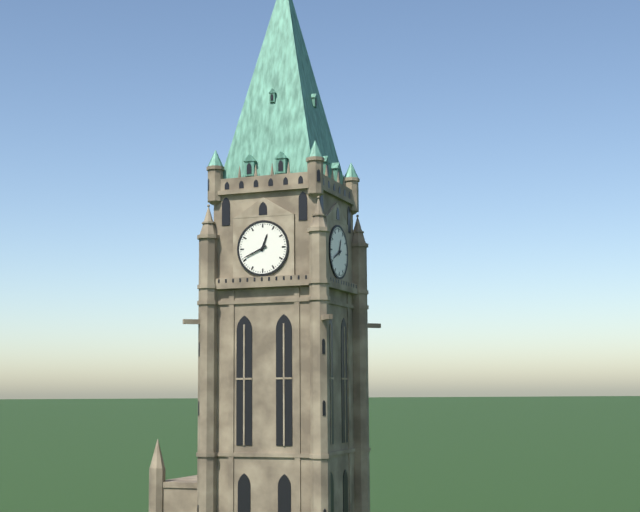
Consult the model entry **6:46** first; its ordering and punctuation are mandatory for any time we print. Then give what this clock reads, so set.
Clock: **12:41**
